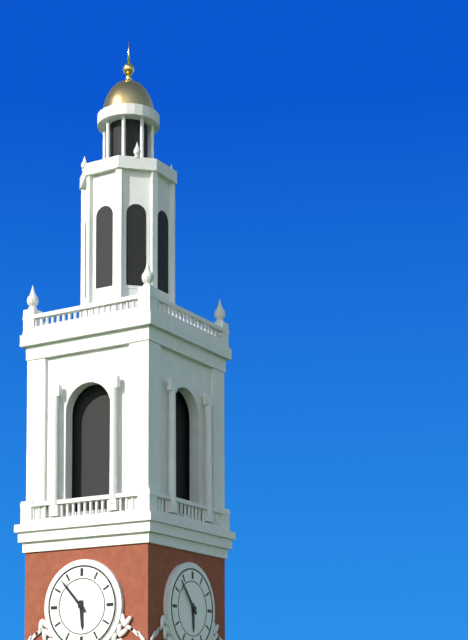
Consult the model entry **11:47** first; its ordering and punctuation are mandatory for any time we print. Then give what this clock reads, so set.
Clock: **5:53**
